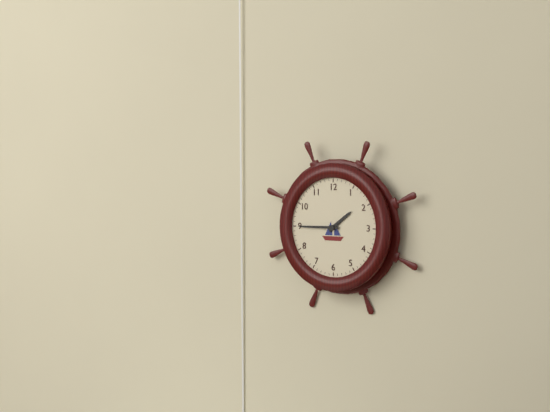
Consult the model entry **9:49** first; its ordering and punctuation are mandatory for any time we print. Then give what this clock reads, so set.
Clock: **1:45**
